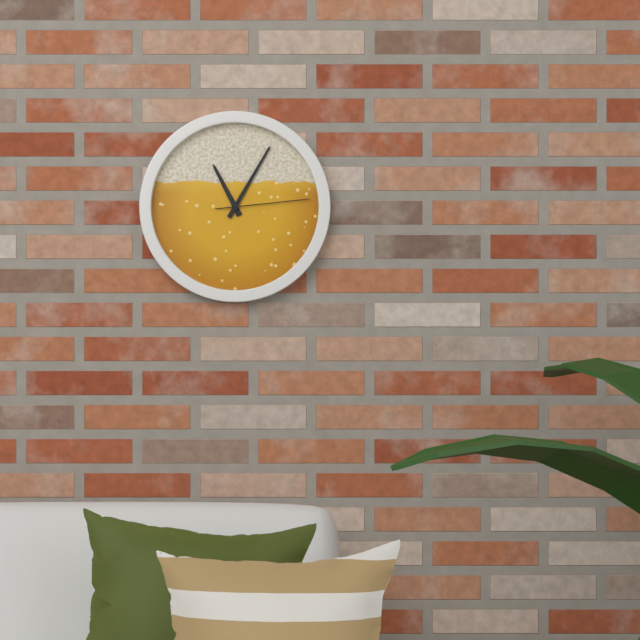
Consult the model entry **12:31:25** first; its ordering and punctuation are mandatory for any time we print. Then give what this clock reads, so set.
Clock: **11:05:14**
